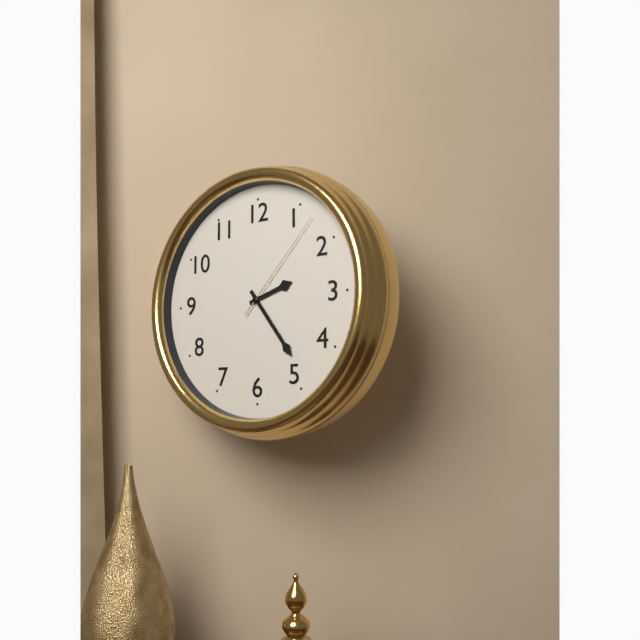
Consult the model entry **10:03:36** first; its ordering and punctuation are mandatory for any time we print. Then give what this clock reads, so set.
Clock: **2:24:07**
